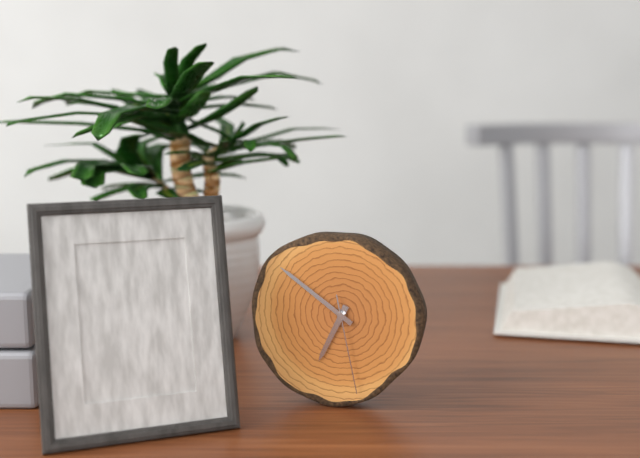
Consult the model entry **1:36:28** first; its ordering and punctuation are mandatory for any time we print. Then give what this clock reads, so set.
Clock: **6:51:28**
